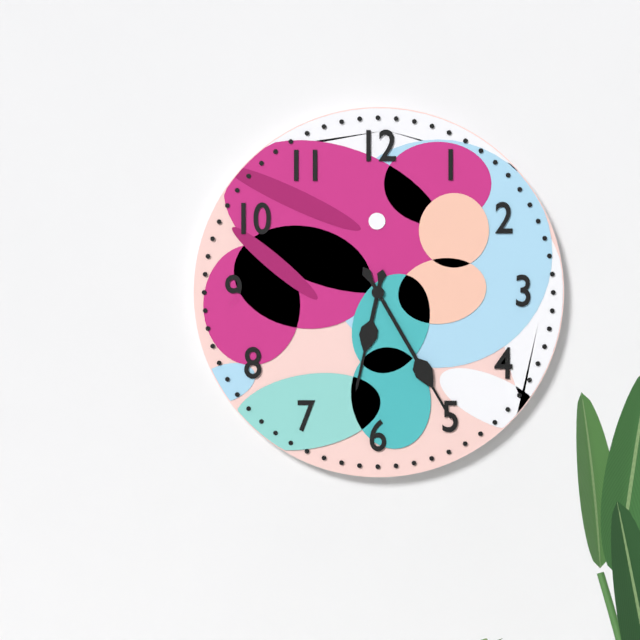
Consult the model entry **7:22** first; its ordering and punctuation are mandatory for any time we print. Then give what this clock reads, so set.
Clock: **6:25**
